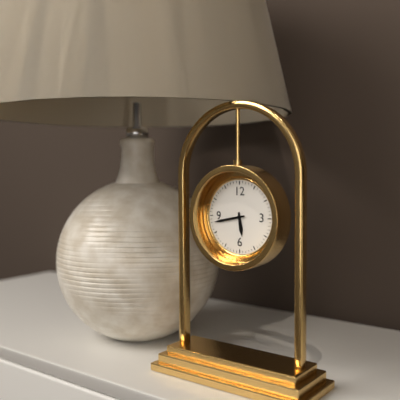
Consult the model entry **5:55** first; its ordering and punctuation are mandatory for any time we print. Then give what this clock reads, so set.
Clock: **5:43**
